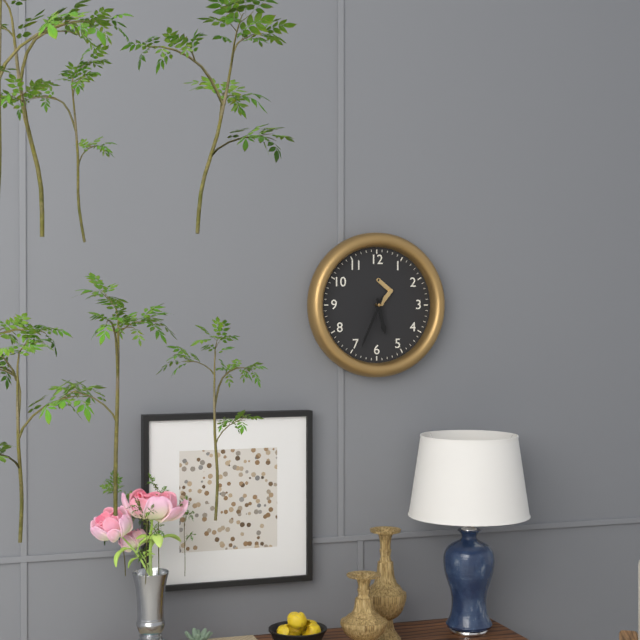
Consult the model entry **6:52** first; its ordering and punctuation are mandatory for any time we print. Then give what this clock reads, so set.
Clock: **5:34**
